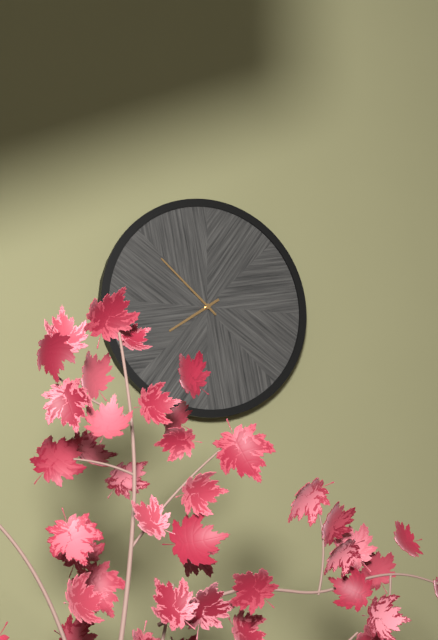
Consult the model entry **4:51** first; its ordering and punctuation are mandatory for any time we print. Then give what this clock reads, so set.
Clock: **7:52**
